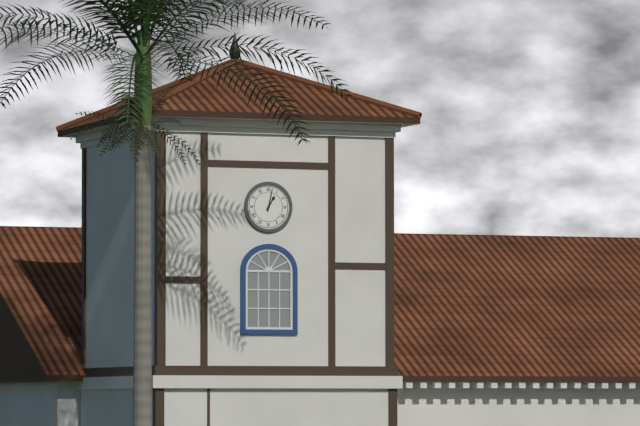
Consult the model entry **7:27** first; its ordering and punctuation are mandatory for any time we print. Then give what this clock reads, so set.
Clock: **1:02**
